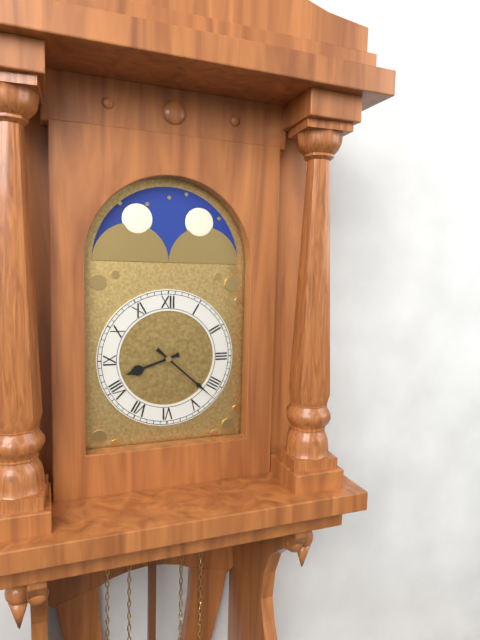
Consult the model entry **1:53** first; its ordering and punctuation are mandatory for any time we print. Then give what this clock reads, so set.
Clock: **8:22**
